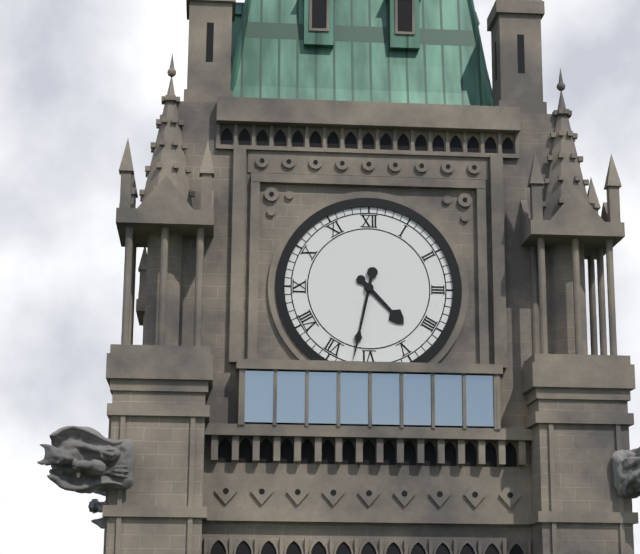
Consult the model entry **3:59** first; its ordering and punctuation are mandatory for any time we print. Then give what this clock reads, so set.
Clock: **4:32**
